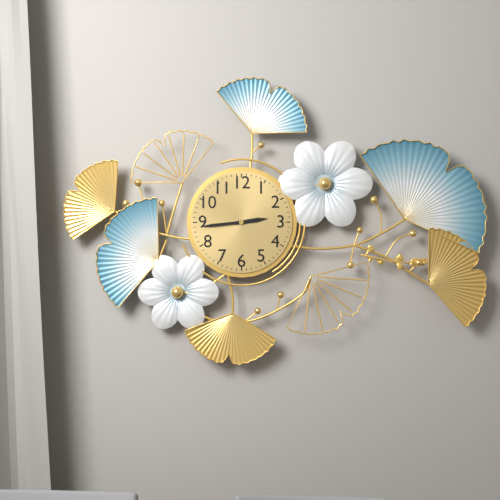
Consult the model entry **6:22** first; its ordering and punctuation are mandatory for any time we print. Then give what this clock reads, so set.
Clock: **2:44**
